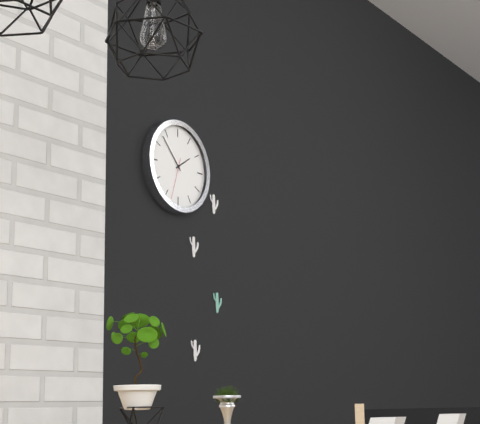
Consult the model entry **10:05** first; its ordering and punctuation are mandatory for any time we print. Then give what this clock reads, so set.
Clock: **1:53**
